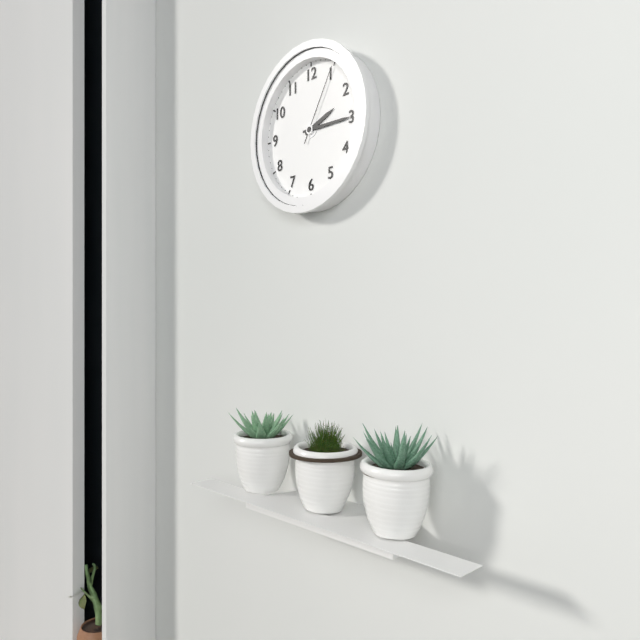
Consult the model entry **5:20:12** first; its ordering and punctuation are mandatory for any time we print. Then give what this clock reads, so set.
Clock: **2:15:05**
